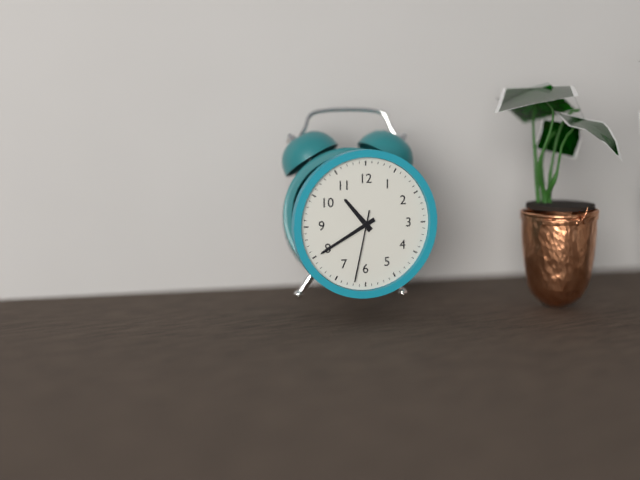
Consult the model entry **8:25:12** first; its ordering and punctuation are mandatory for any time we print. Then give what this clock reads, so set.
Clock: **10:40:32**
